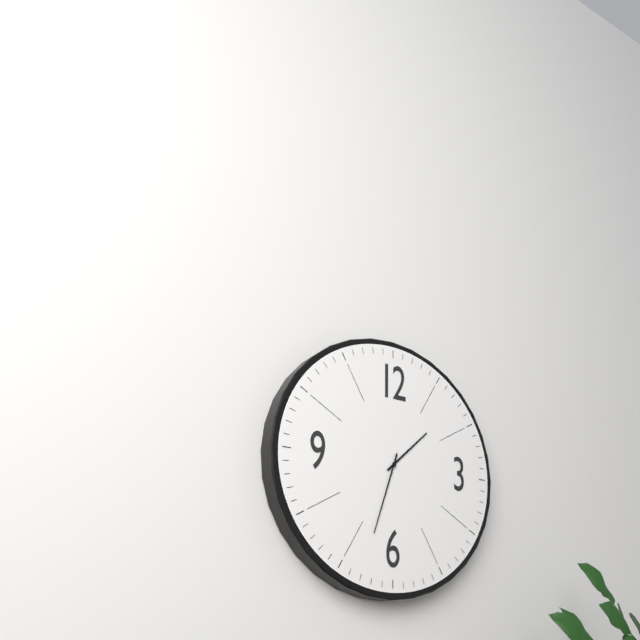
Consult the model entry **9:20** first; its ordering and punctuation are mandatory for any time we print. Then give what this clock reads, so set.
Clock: **1:33**
